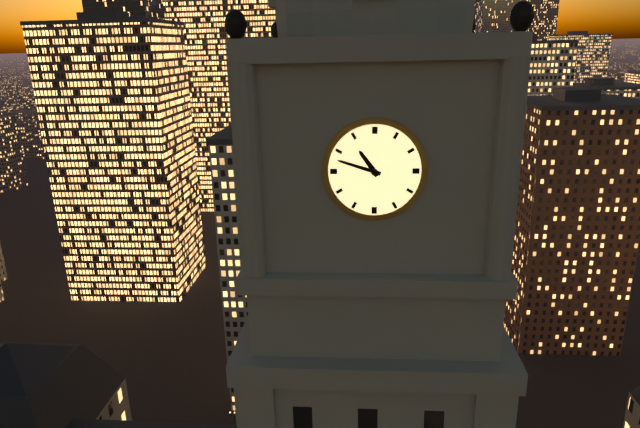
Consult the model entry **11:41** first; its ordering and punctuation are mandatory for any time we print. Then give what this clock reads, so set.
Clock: **10:48**
